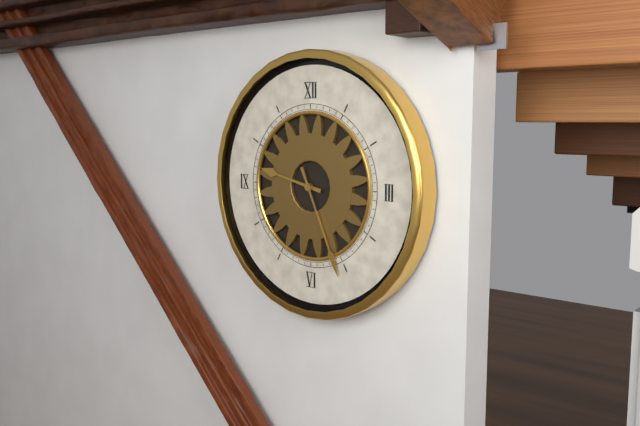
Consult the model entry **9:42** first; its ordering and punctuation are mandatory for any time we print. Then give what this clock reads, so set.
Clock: **9:26**
